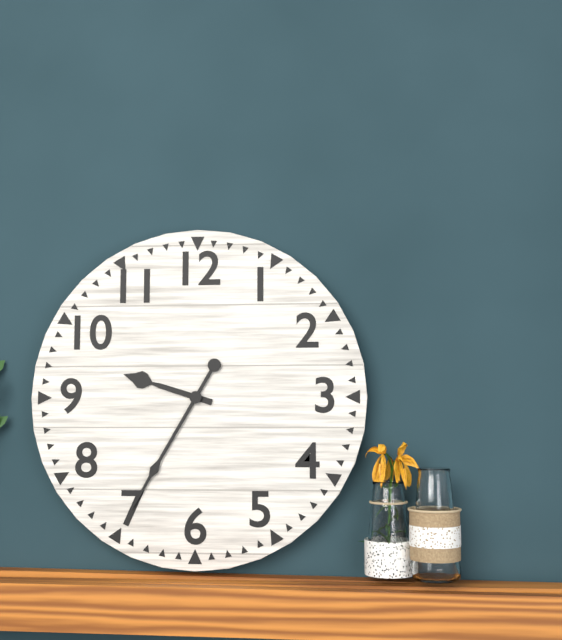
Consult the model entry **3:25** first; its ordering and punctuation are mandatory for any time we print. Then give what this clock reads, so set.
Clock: **9:35**
